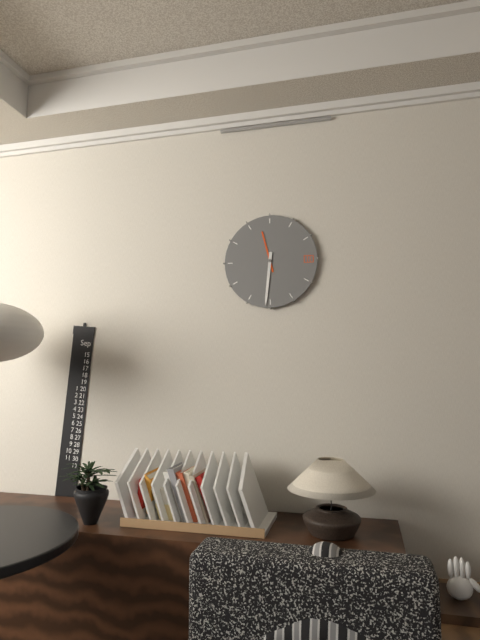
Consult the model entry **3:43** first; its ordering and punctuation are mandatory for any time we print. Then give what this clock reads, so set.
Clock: **11:31**
